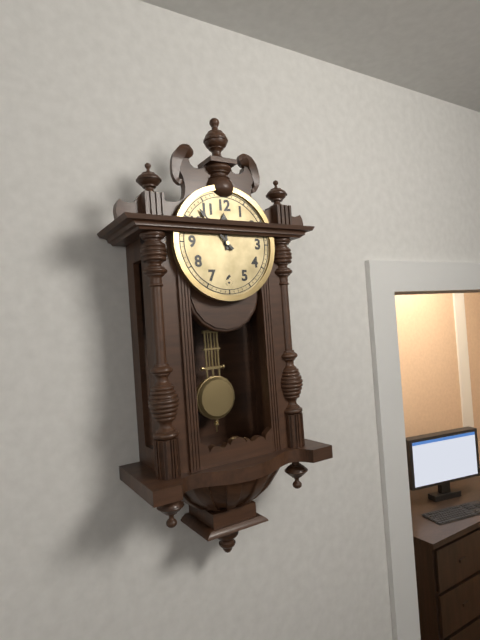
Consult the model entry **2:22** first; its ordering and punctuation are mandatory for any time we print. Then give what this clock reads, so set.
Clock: **11:53**
